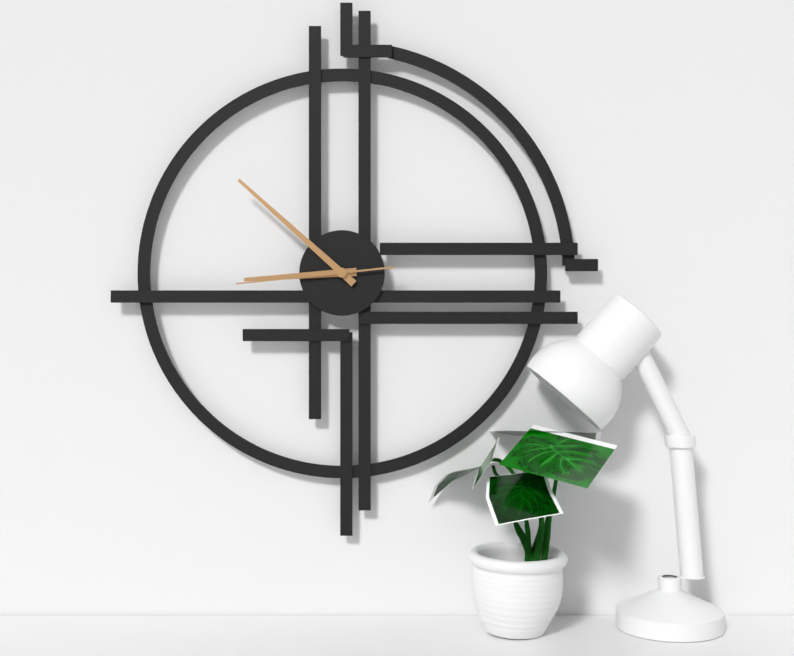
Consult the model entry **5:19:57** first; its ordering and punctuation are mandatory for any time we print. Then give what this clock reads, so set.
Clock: **8:52:44**
